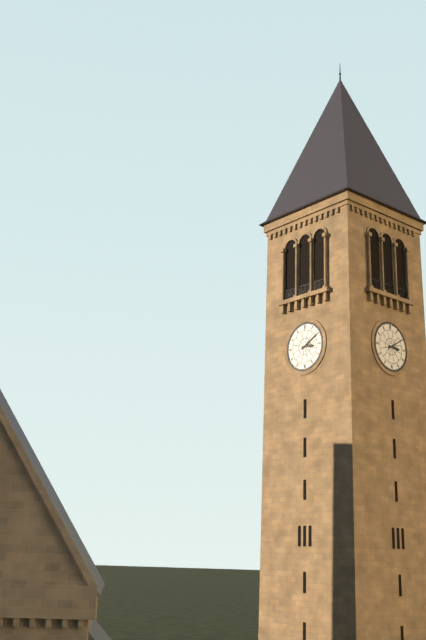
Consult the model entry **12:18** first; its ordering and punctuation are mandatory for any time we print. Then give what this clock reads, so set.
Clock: **3:10**
